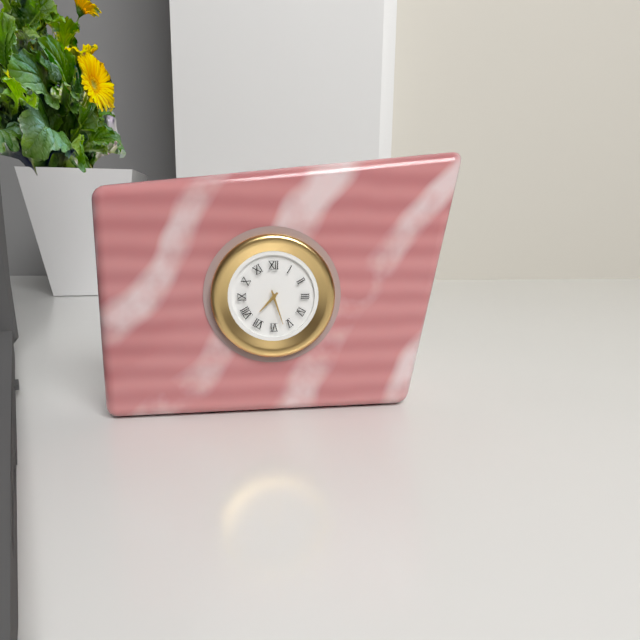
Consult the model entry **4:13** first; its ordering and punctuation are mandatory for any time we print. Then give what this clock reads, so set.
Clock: **7:27**
